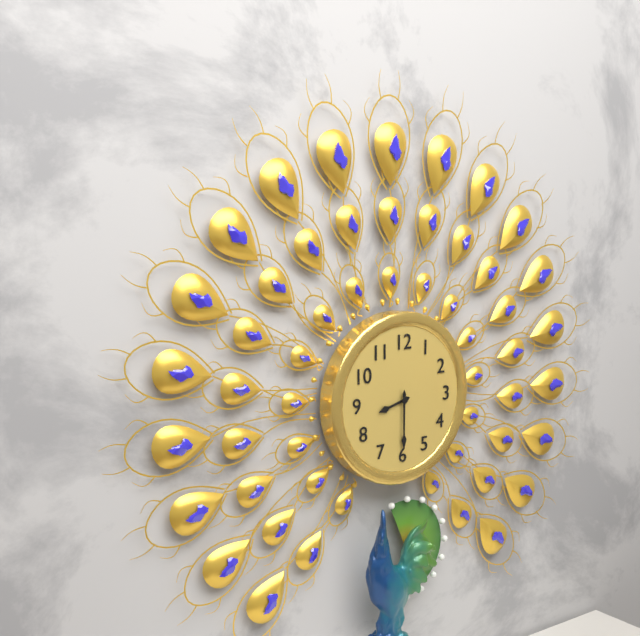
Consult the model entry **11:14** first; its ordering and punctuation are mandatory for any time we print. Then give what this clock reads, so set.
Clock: **8:30**
